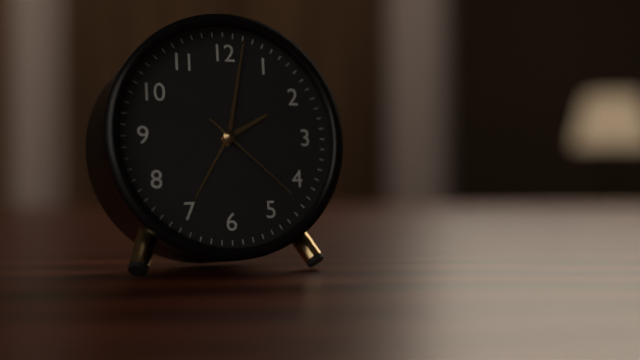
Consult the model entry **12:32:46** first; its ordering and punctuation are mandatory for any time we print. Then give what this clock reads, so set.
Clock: **2:02:22**
